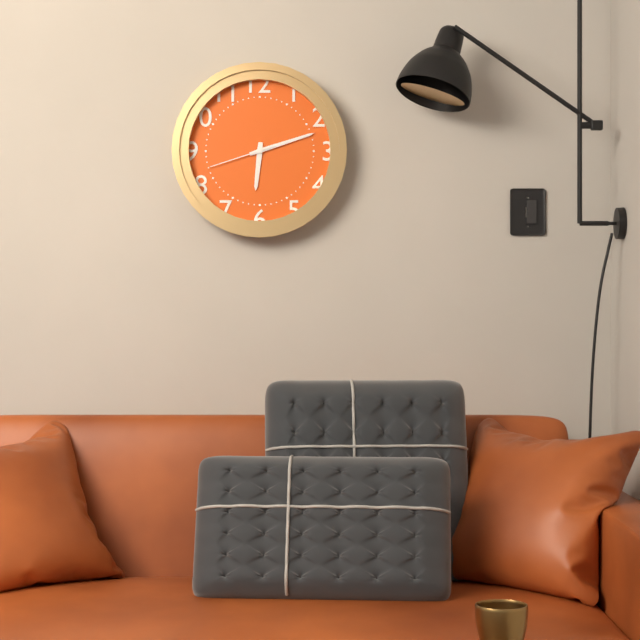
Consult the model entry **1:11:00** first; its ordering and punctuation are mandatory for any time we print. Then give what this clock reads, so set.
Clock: **6:12:42**
